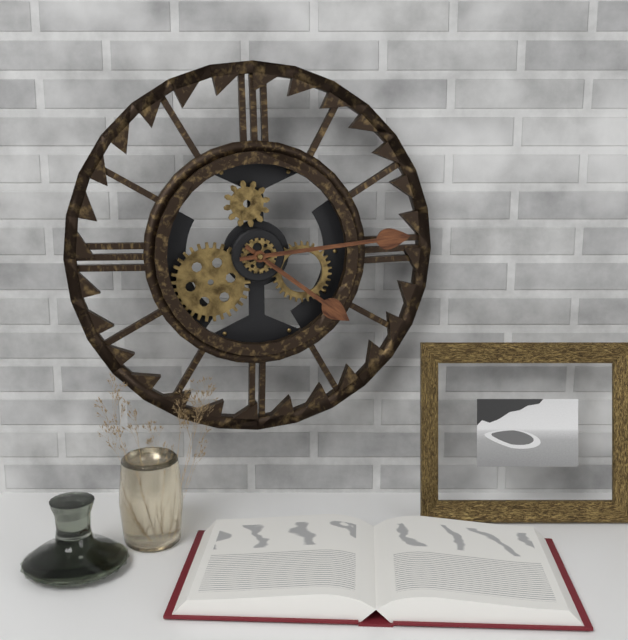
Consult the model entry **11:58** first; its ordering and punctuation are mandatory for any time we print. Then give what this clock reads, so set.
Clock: **4:14**
